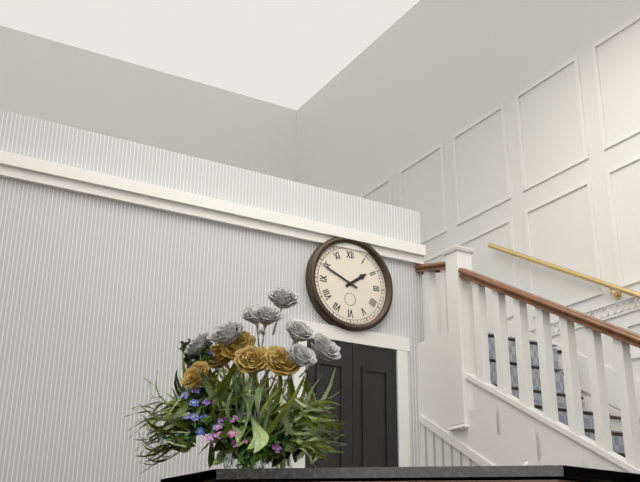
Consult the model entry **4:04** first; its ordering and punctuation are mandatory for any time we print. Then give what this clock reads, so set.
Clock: **1:49**
